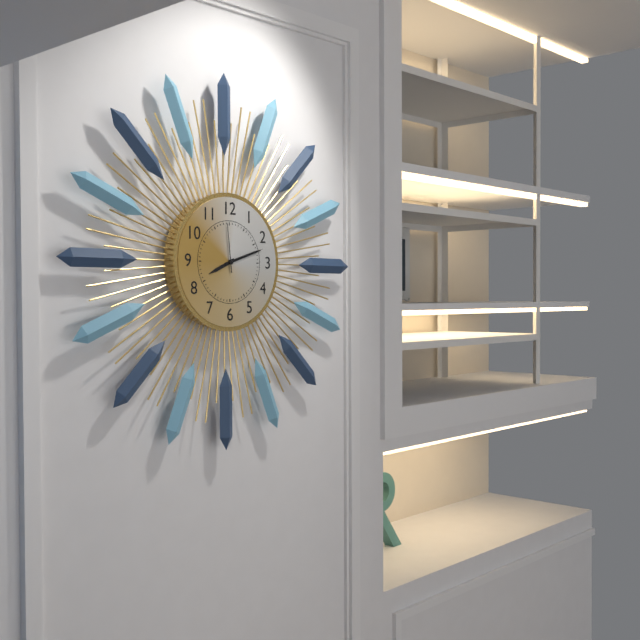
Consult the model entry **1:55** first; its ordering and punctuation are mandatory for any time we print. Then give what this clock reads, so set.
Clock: **8:12**
